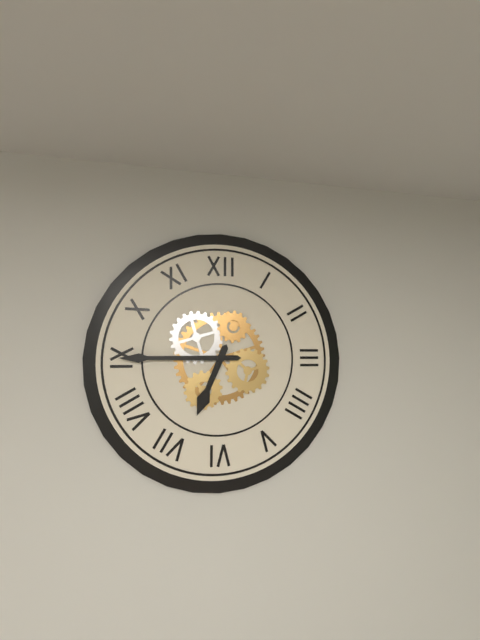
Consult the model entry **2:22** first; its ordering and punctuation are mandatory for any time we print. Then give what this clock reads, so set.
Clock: **6:45**
